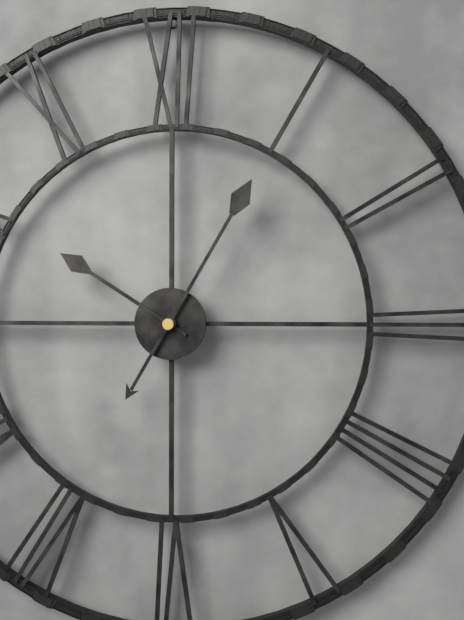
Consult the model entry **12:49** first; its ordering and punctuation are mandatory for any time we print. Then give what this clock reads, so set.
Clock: **10:05**
